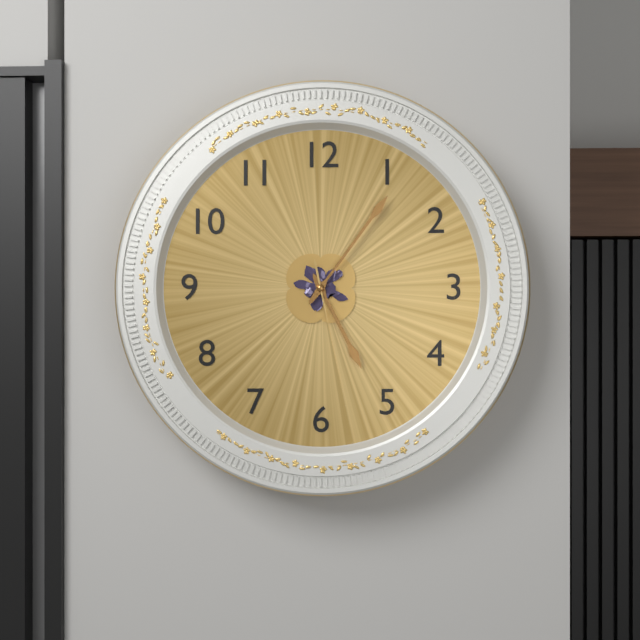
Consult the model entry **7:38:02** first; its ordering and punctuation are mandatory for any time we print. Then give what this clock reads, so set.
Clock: **5:06:28**
